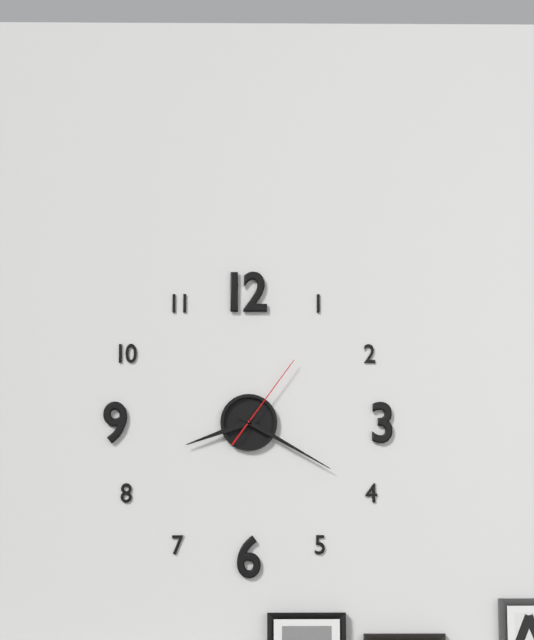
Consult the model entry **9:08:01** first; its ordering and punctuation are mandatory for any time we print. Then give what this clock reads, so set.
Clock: **8:20:06**
